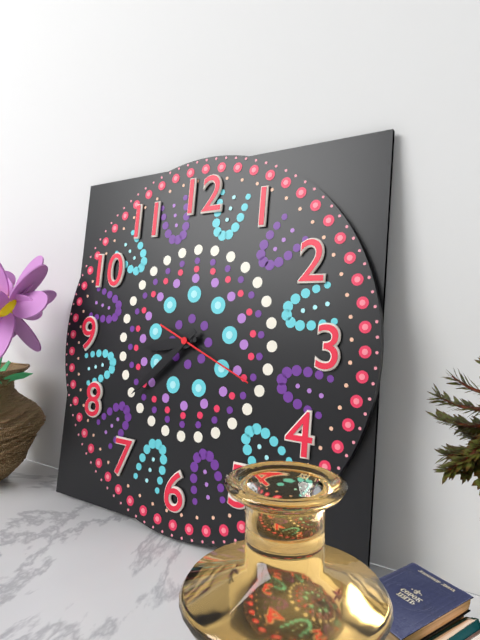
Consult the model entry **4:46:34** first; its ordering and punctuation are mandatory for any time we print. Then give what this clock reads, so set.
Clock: **8:38:19**
